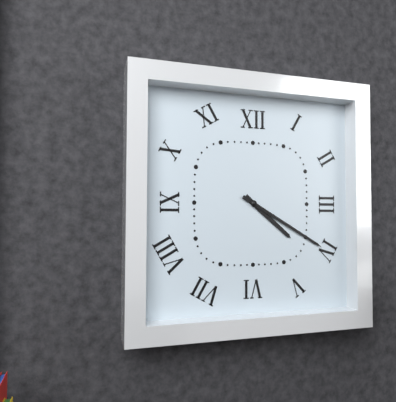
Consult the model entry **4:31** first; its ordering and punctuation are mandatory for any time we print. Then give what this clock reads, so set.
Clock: **4:20**
